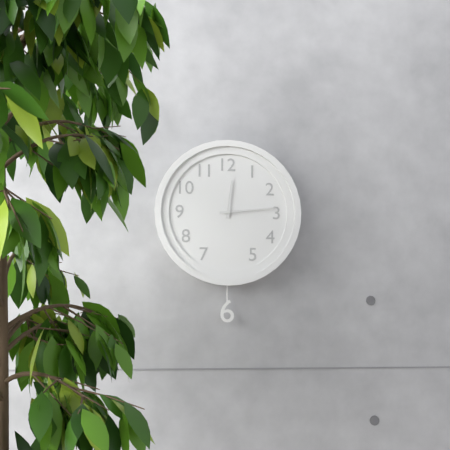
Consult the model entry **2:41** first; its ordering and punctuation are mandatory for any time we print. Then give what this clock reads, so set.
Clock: **12:14**
